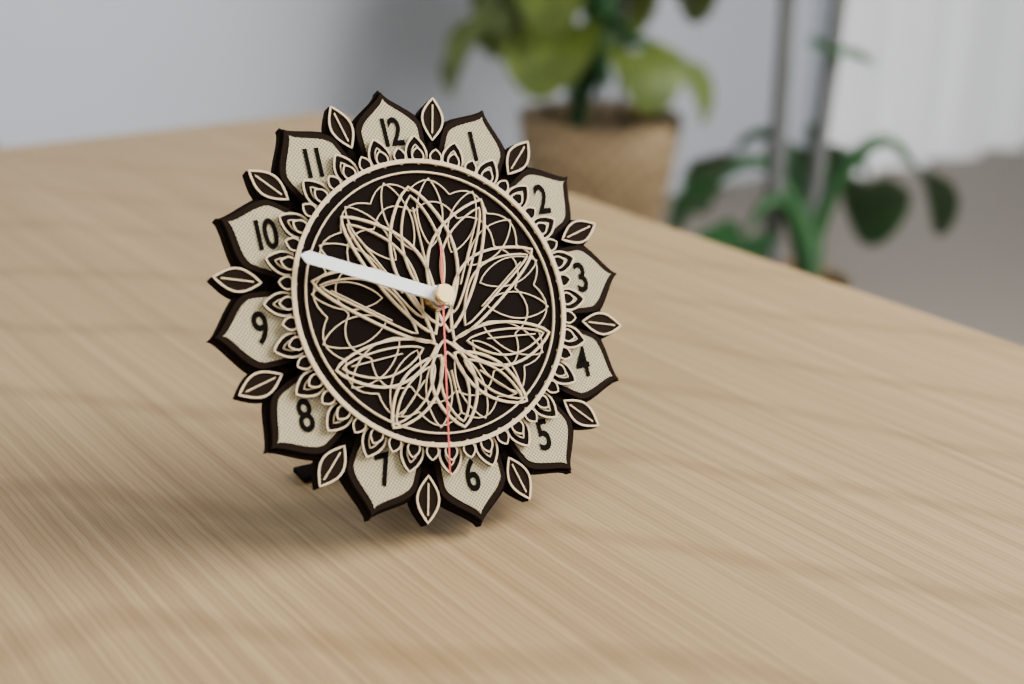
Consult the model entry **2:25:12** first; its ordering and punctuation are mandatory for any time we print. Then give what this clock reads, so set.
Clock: **9:49:32**
